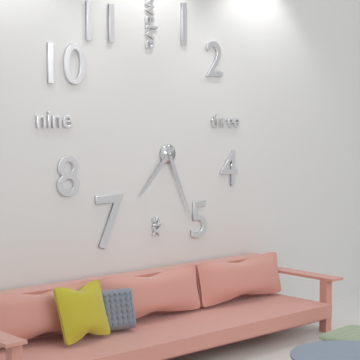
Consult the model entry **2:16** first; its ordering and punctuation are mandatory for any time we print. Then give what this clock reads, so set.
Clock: **7:26**
